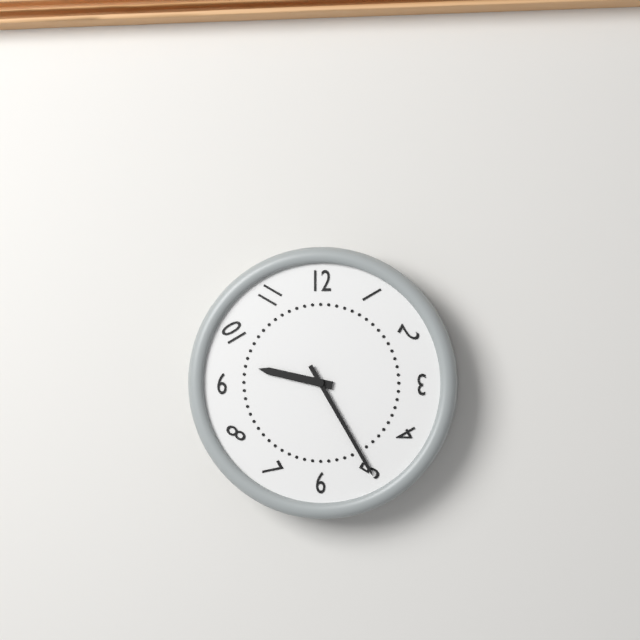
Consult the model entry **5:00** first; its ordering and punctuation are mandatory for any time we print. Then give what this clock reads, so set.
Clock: **9:25**
